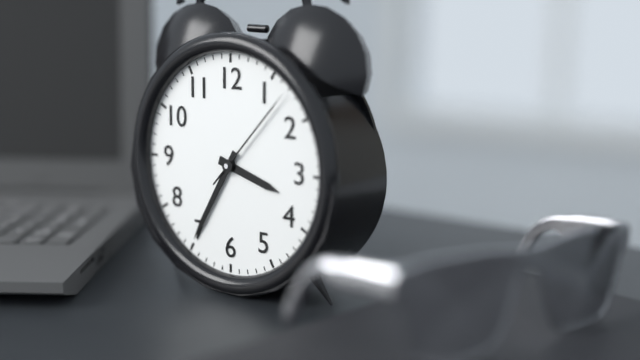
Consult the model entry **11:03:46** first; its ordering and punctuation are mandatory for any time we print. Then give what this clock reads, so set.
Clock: **3:35:07**
